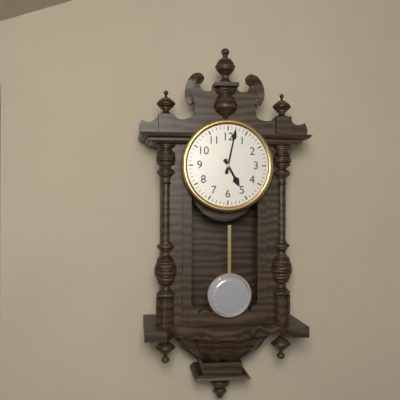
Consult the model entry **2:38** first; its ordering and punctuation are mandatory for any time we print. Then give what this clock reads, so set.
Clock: **5:02**
